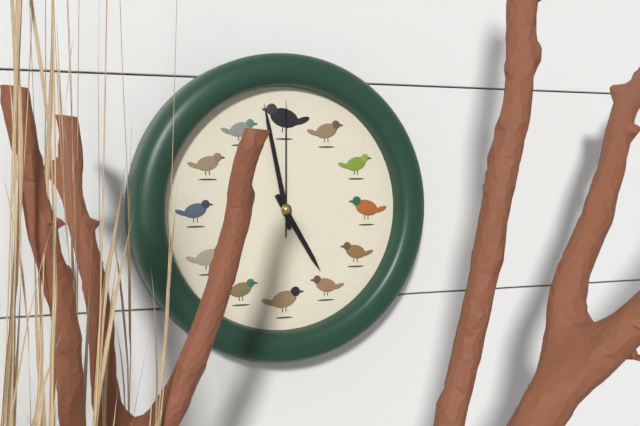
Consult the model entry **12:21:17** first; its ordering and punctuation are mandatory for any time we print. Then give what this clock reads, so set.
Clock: **4:58:00**
